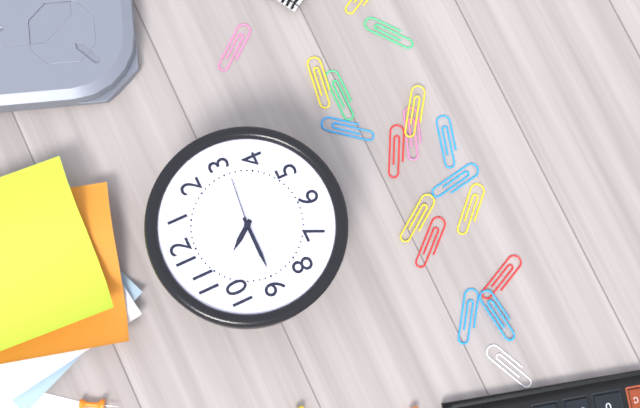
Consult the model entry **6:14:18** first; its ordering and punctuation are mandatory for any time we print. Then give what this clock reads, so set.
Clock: **10:45:16**
